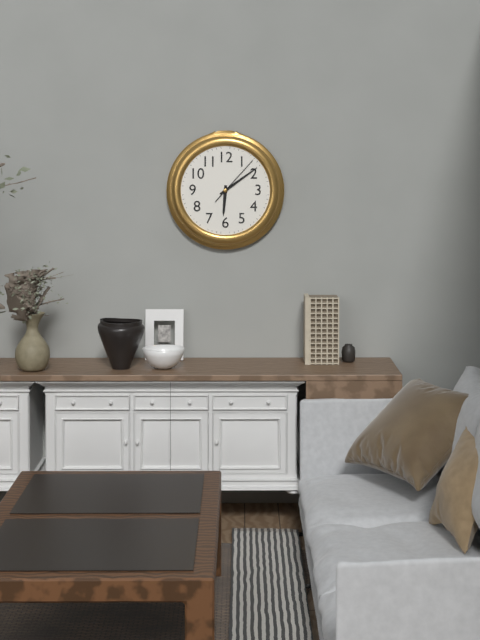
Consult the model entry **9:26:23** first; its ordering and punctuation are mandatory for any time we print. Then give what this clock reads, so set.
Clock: **6:09:07**
